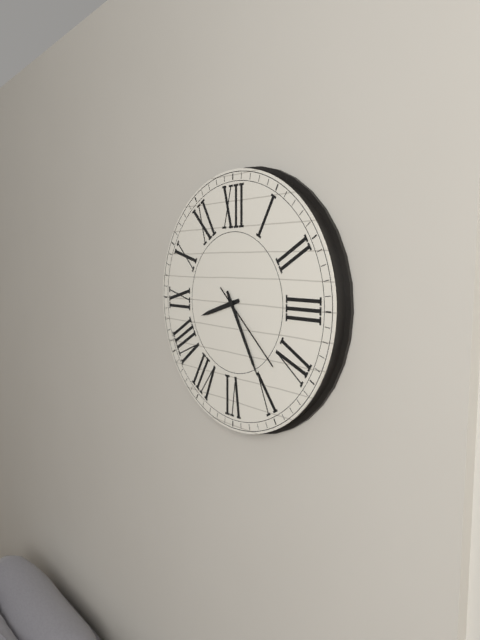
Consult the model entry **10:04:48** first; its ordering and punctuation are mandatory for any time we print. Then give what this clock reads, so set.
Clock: **8:25:22**
